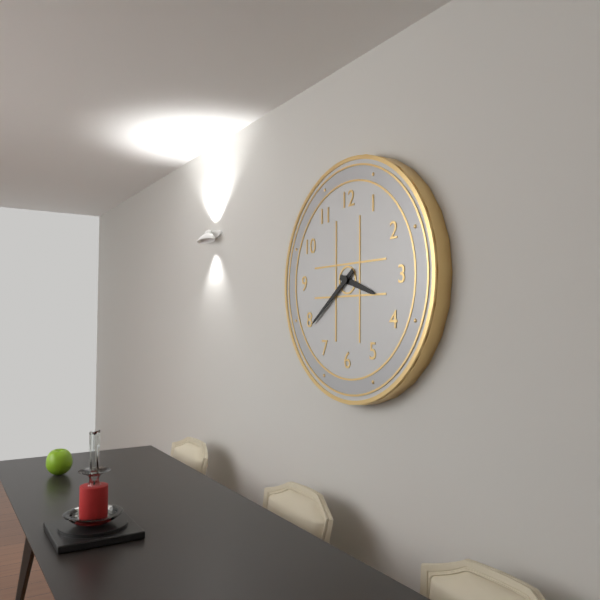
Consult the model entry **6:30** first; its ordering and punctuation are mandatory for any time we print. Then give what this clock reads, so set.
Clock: **3:39**
